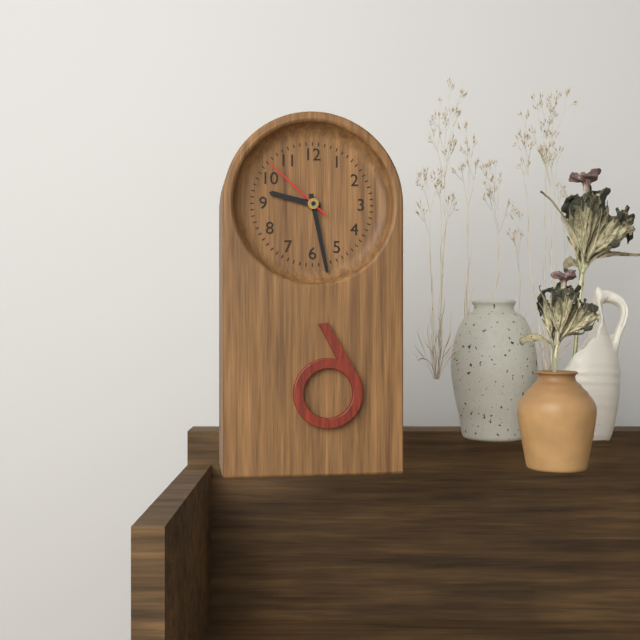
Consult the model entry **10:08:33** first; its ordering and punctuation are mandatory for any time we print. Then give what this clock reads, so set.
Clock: **9:28:52**
